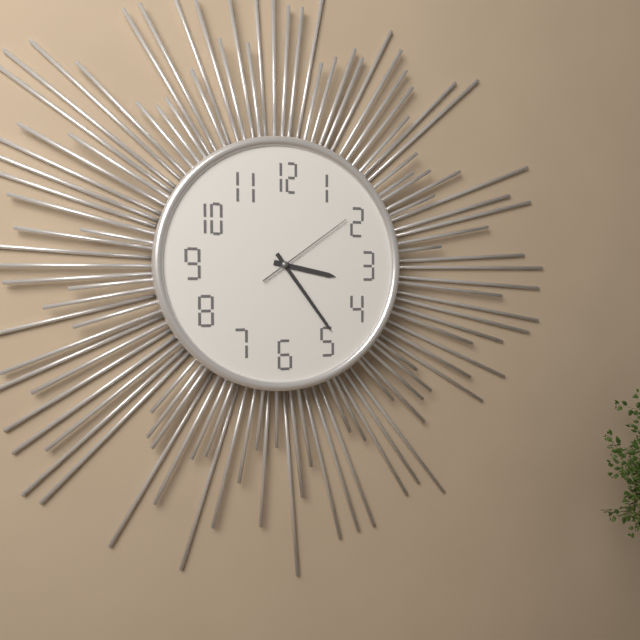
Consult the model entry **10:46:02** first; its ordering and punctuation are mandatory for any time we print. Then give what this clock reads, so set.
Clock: **3:24:09**
